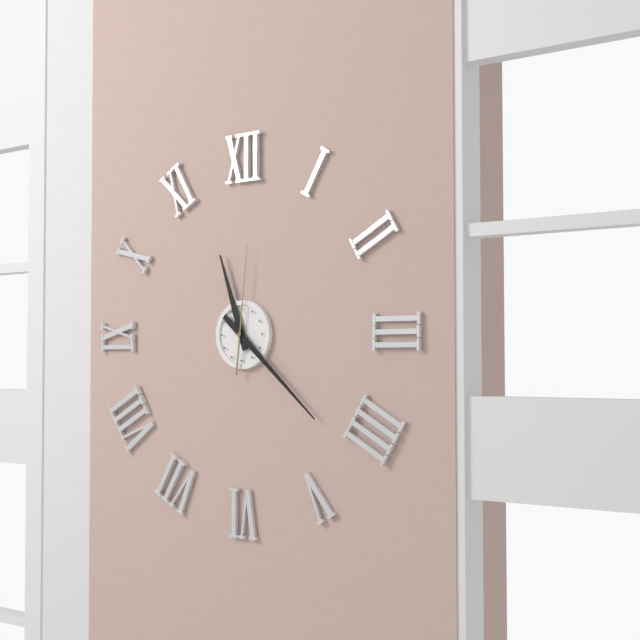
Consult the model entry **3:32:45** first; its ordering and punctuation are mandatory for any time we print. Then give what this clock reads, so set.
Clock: **11:22:01**
